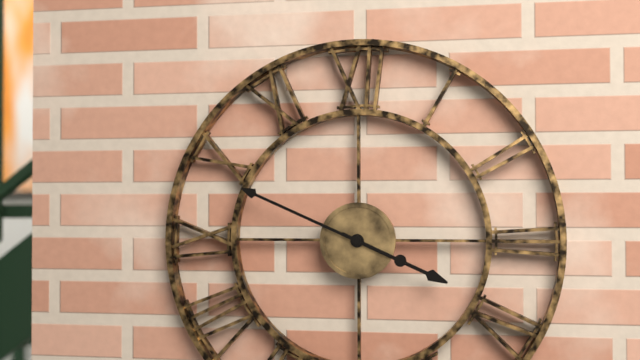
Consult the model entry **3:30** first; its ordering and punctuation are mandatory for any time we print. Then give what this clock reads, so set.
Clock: **3:49**
